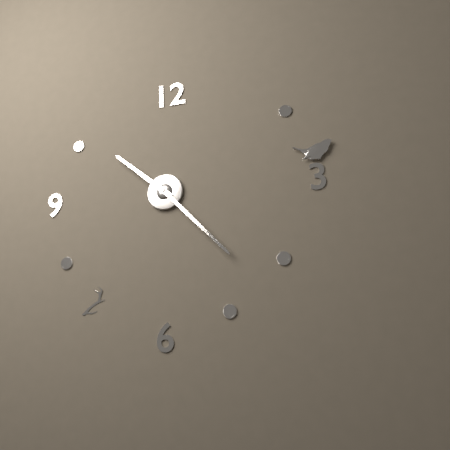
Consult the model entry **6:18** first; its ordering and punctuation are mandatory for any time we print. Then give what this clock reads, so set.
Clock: **10:23**
